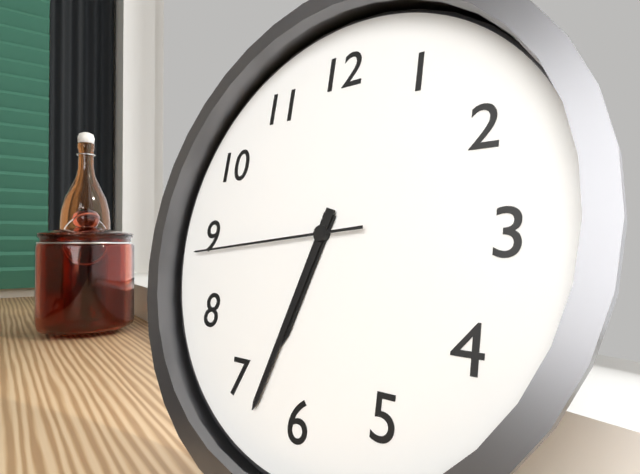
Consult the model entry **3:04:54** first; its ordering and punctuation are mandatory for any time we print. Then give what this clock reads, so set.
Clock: **6:33:44**
